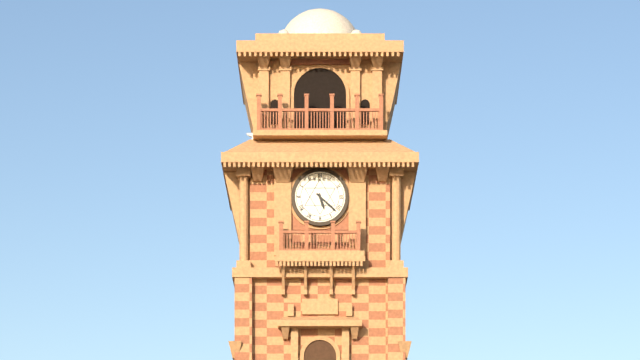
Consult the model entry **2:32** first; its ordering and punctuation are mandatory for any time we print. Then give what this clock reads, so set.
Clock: **5:22**
